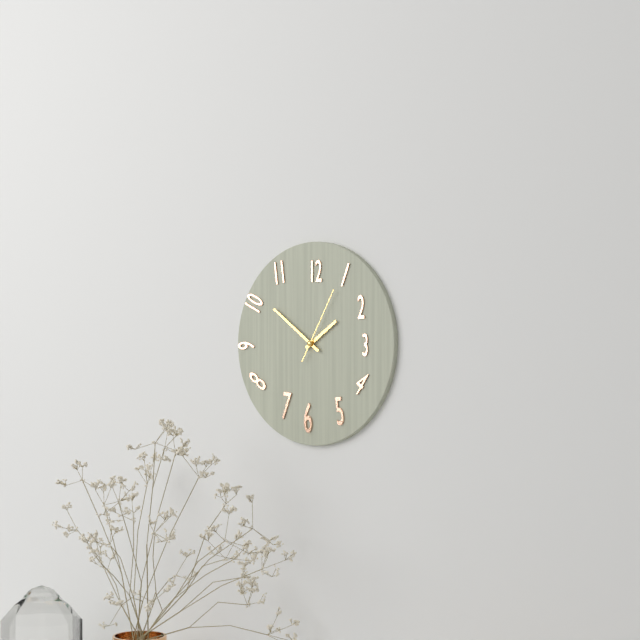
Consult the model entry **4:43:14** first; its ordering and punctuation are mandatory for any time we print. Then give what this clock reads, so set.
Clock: **1:51:05**
